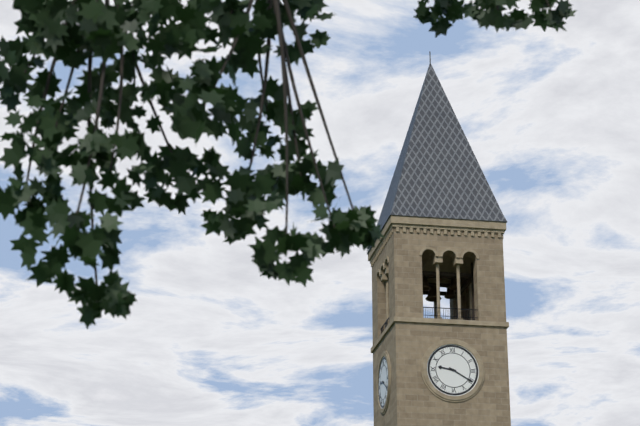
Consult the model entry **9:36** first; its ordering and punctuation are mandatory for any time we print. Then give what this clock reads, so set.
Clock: **9:20**
